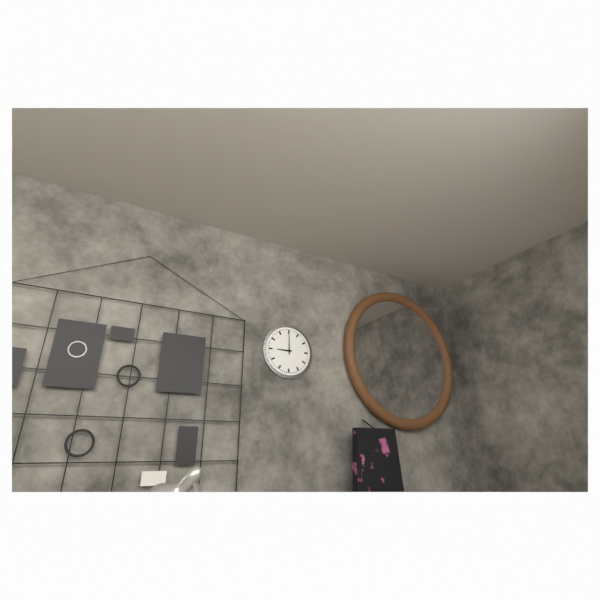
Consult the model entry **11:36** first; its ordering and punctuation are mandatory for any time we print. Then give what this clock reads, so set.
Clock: **9:00**
